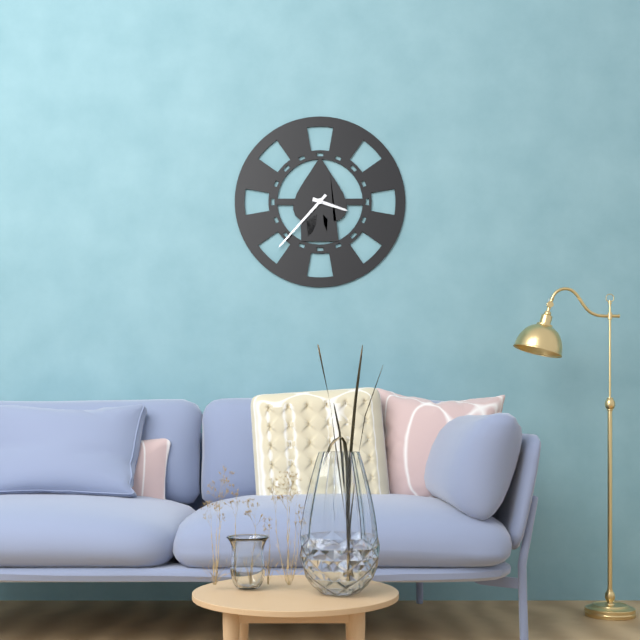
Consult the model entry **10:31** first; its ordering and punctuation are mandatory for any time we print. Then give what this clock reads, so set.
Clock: **3:37**
